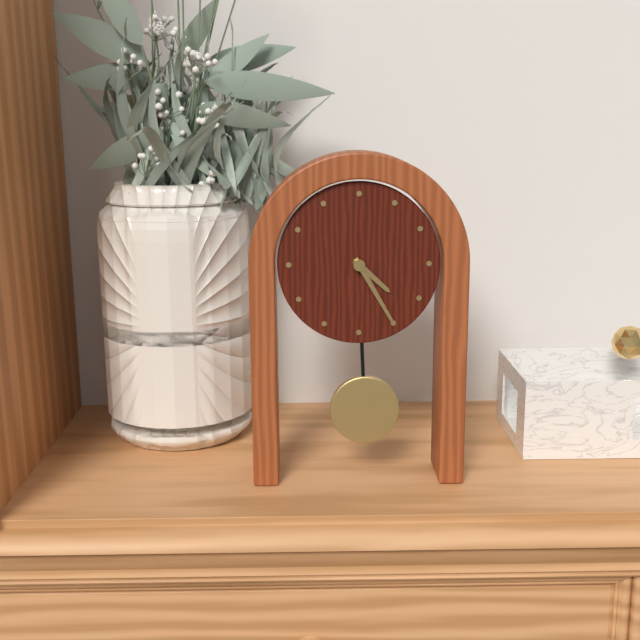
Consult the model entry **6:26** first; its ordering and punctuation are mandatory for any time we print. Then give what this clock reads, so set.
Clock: **4:25**
